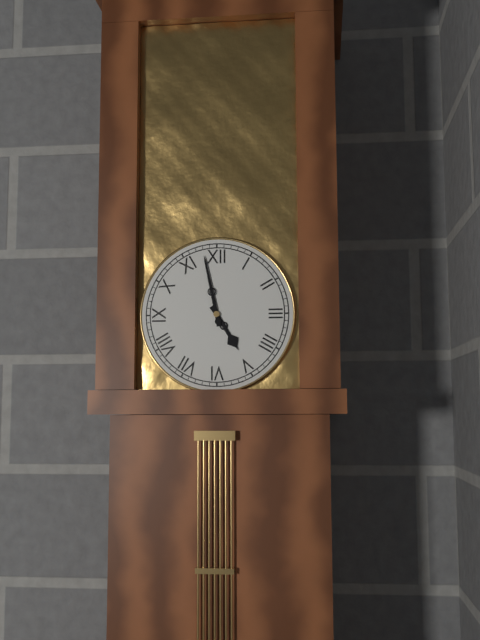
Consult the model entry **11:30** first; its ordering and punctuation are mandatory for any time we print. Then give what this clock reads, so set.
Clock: **4:58**
